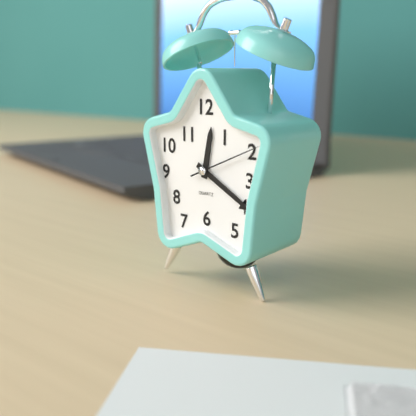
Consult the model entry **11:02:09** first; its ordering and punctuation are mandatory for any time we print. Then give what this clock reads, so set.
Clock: **12:20:11**
